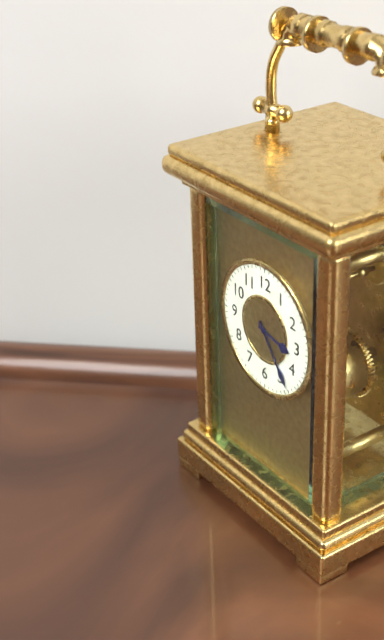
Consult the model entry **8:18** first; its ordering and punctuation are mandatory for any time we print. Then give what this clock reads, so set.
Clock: **3:24**
